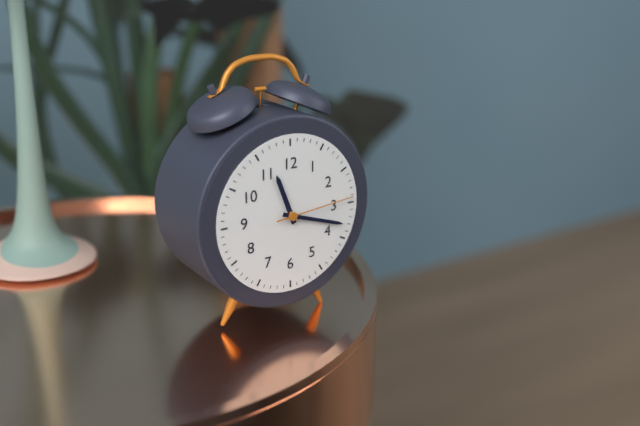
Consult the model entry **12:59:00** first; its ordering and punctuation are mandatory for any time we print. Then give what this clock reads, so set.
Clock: **11:18:14**
